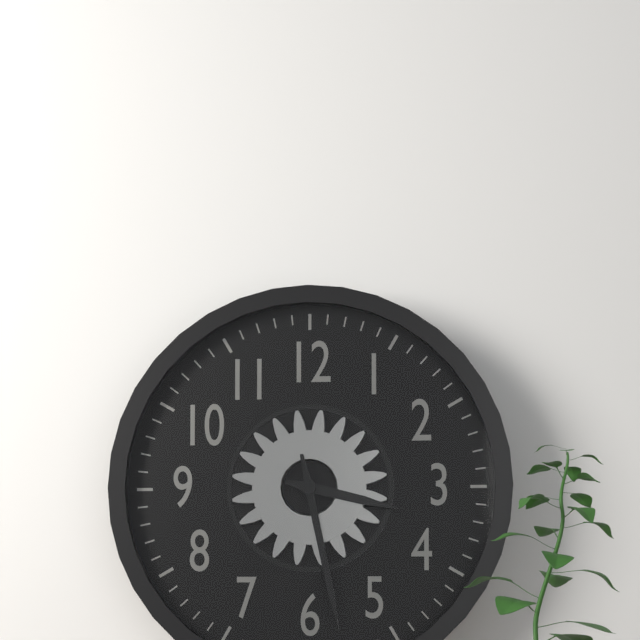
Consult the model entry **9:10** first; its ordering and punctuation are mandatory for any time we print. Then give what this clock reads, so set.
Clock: **3:28**
